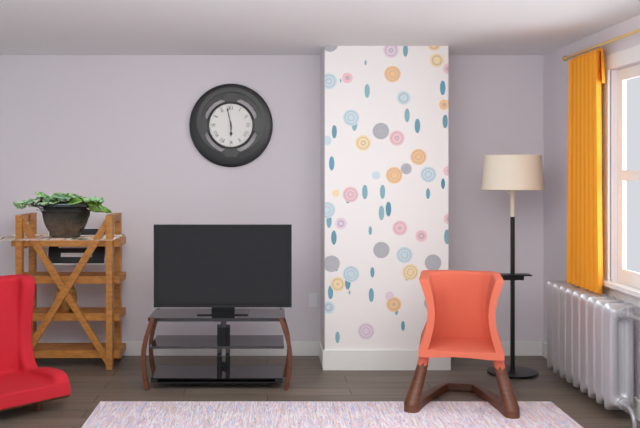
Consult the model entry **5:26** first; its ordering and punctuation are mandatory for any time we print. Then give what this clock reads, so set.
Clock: **5:58**
